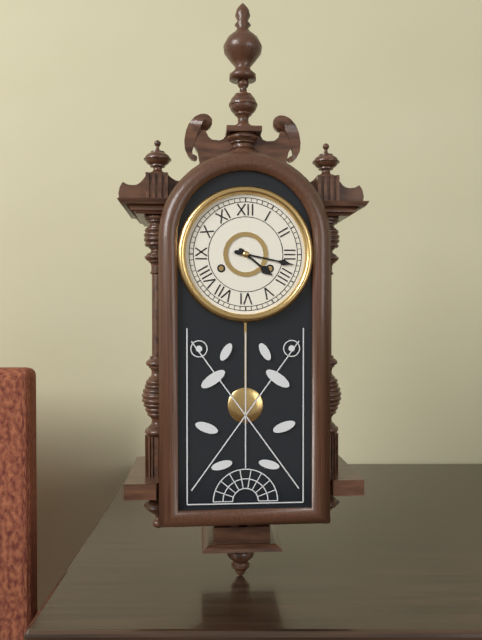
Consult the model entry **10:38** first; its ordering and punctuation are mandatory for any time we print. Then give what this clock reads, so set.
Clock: **4:17**
